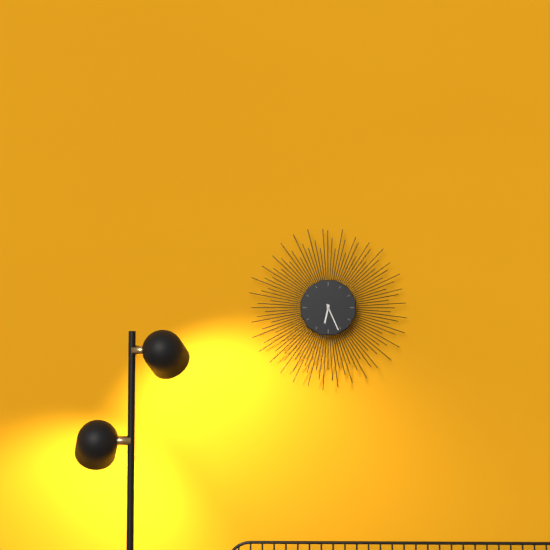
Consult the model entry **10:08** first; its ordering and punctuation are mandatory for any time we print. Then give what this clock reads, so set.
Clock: **6:26**
